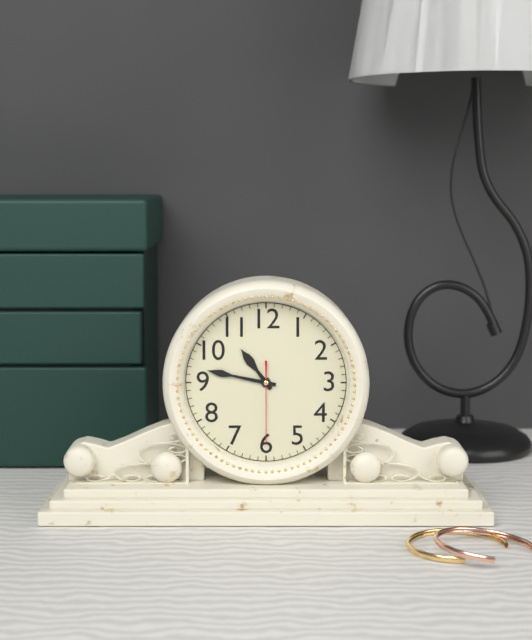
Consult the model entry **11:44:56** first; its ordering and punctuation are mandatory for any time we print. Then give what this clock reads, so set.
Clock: **10:47:30**
